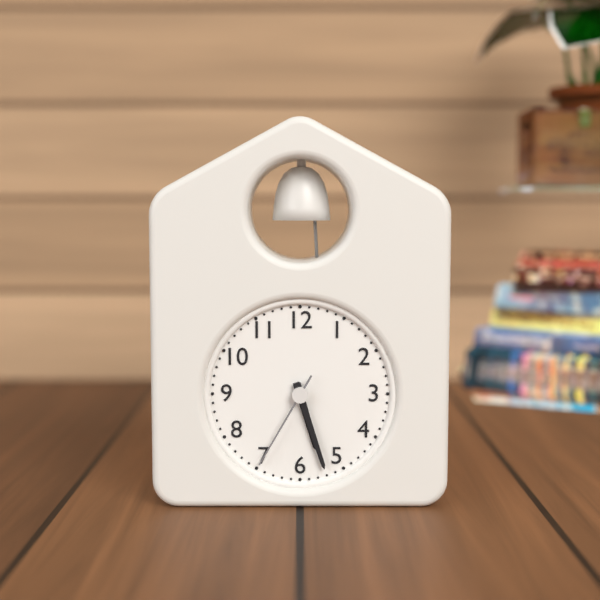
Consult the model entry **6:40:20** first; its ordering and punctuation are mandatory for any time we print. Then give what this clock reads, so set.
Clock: **5:27:35**
